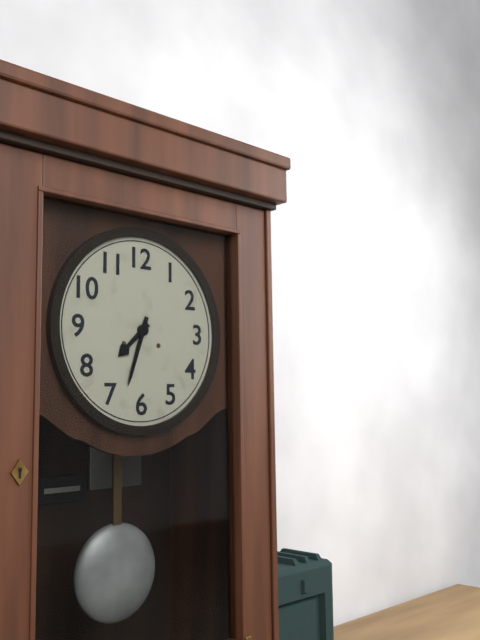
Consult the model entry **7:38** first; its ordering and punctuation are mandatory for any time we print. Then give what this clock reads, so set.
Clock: **7:33**
